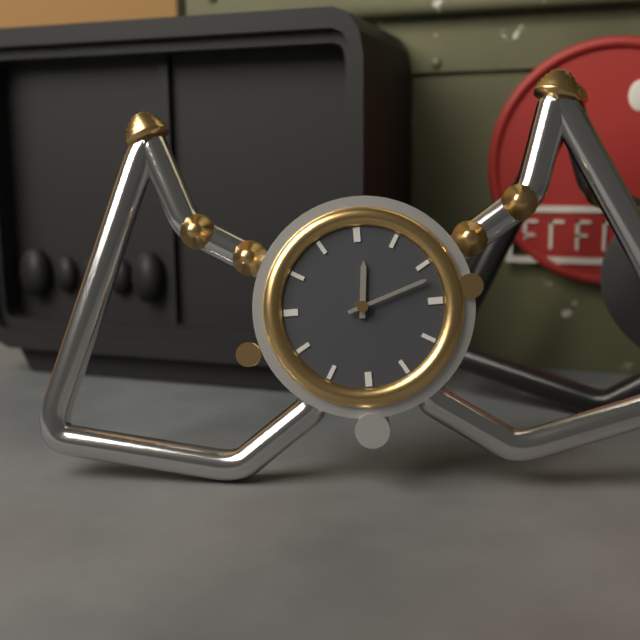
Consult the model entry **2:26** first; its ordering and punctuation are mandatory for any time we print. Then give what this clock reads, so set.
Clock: **12:12**
